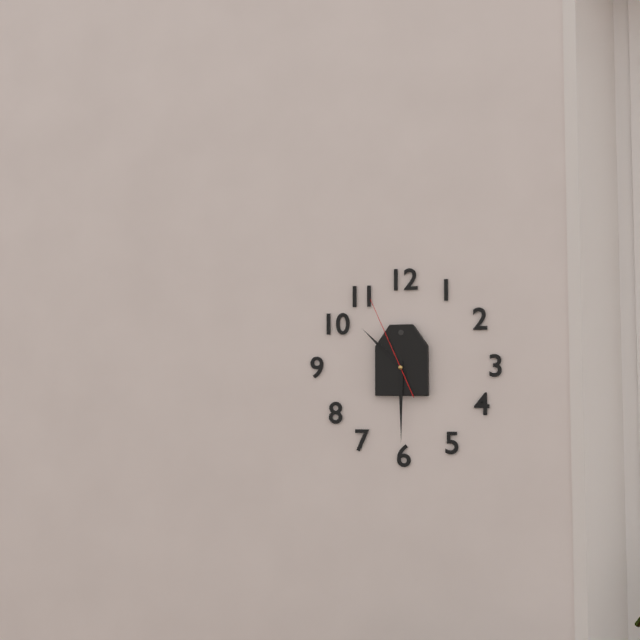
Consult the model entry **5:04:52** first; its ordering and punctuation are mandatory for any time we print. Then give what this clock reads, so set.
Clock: **10:30:56**
